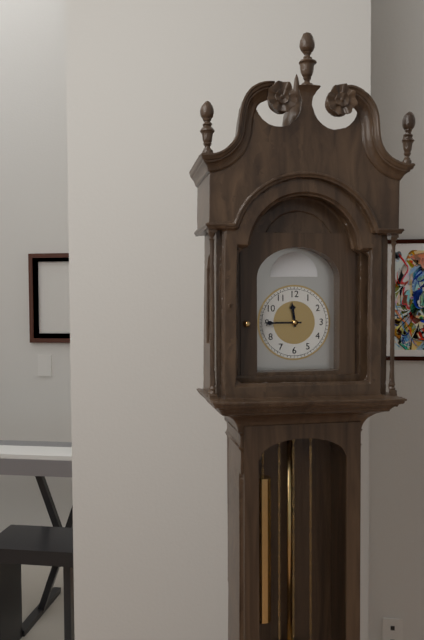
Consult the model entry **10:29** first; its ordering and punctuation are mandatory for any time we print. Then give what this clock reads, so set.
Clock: **11:45**
